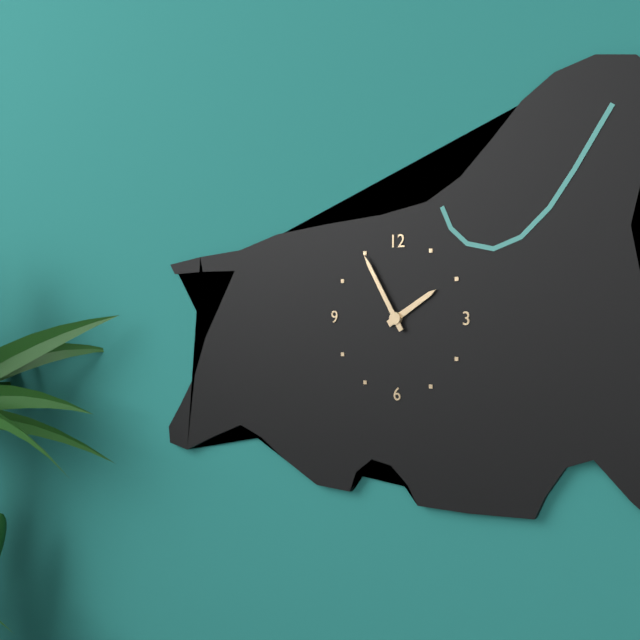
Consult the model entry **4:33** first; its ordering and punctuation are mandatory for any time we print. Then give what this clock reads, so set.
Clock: **1:55**
